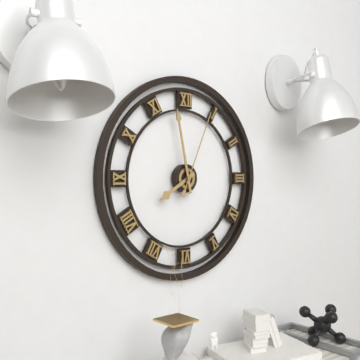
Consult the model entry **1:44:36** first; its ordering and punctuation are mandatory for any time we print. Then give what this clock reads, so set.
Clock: **7:58:04**
